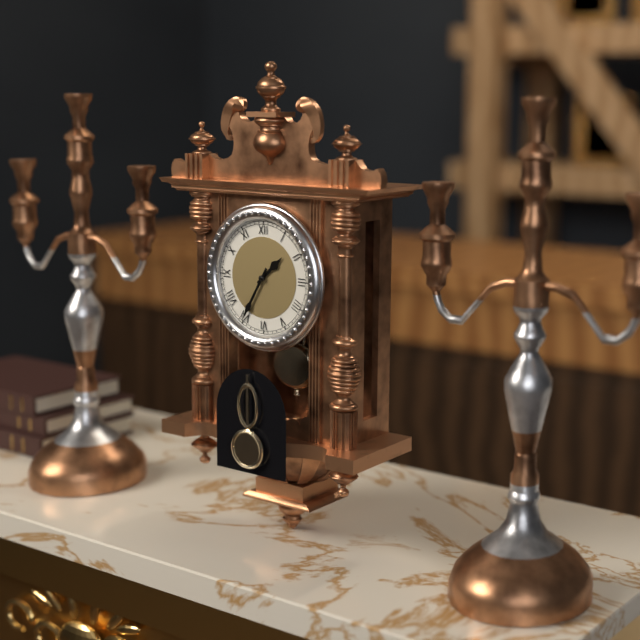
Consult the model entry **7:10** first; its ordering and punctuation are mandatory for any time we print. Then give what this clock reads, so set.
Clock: **1:35**
